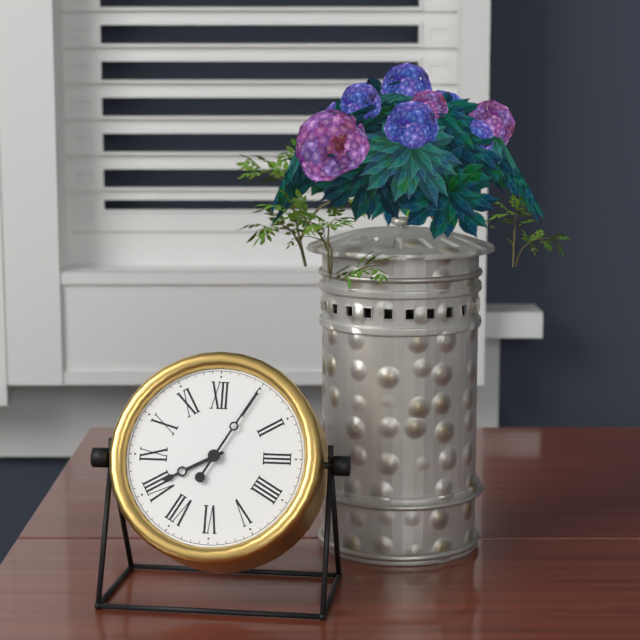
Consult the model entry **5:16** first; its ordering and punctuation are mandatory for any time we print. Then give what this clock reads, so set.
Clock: **8:05**
